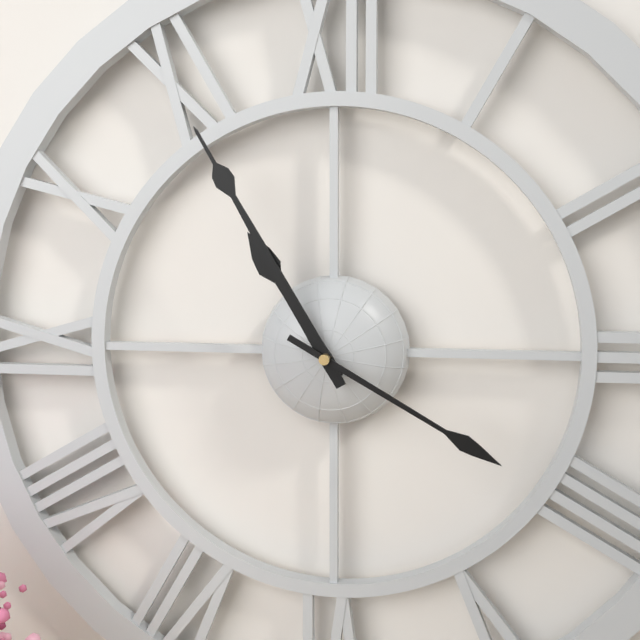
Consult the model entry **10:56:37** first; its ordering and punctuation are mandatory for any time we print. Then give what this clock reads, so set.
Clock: **10:55:20**
